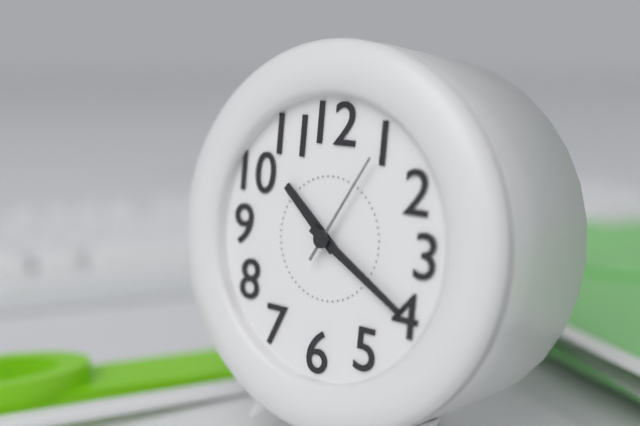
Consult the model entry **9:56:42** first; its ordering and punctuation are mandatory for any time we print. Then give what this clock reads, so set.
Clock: **10:20:05**
